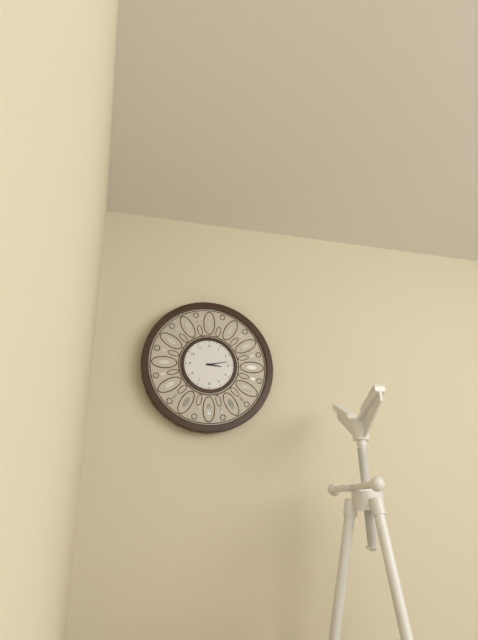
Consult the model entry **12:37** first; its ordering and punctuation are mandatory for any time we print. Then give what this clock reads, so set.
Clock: **3:13**
